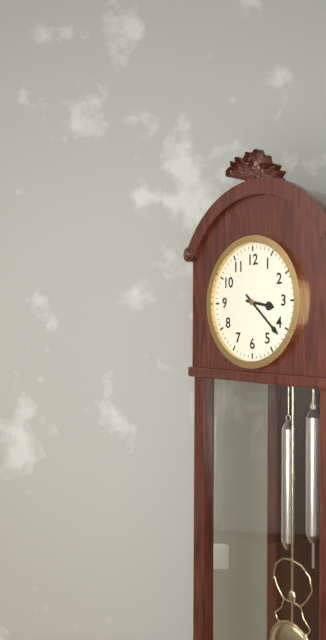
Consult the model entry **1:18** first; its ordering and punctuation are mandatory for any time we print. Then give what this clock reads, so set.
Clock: **3:22**
